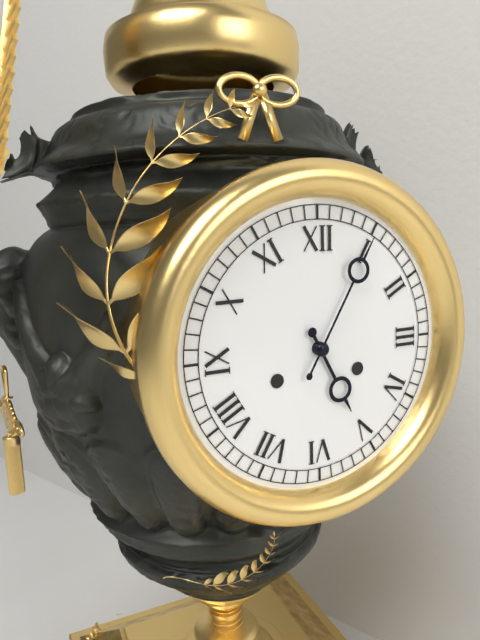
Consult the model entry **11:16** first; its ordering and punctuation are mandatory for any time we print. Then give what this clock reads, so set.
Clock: **5:05**
